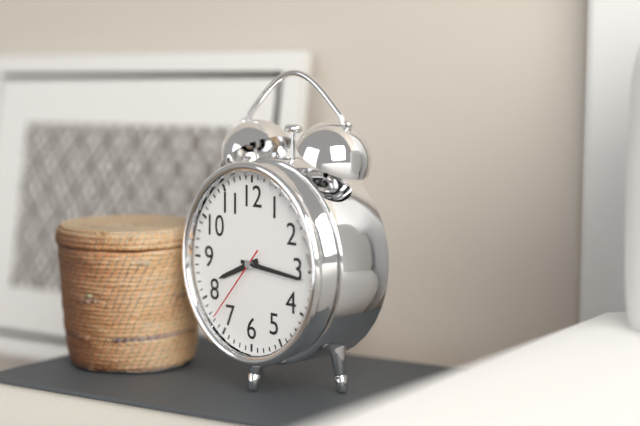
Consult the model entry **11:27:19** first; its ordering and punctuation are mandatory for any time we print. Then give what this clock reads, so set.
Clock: **8:16:37**
